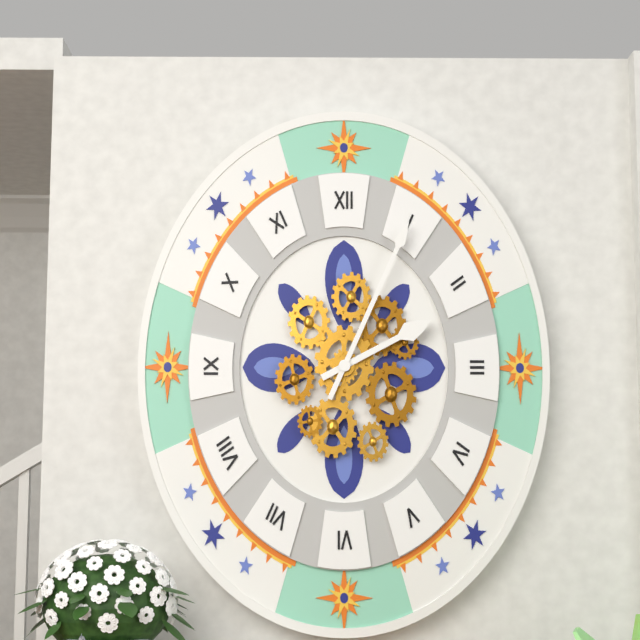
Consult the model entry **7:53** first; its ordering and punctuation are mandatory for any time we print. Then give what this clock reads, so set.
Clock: **2:04**
